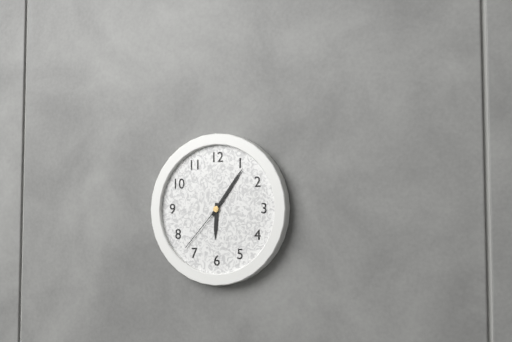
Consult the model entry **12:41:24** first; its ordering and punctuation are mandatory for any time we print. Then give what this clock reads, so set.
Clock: **6:06:37**
